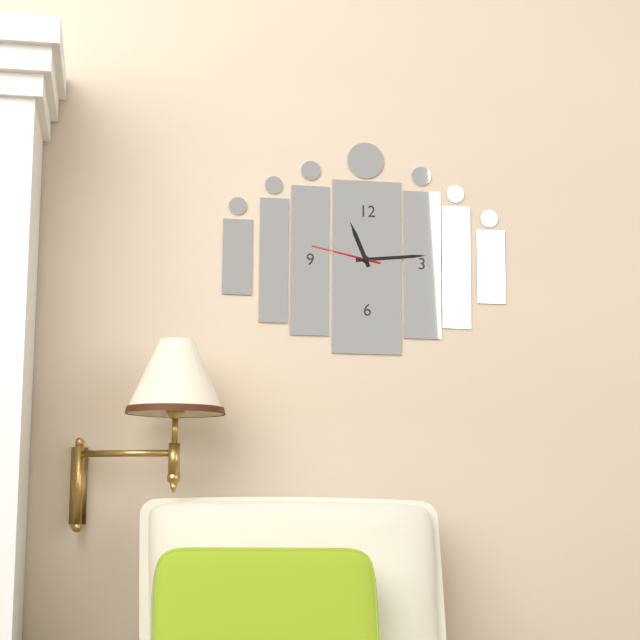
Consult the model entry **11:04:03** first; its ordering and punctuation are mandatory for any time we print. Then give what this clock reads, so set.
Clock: **11:14:47**
